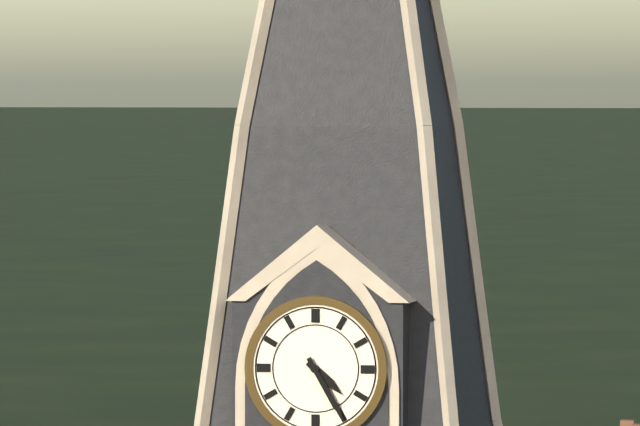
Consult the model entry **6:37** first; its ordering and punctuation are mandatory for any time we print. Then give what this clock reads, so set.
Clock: **4:25**
